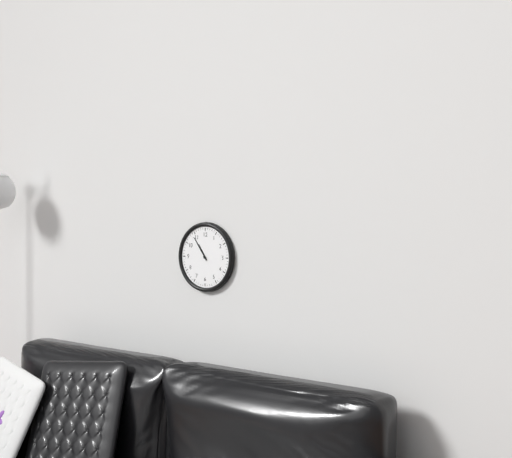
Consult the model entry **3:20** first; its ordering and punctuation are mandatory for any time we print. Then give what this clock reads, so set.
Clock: **10:54**
